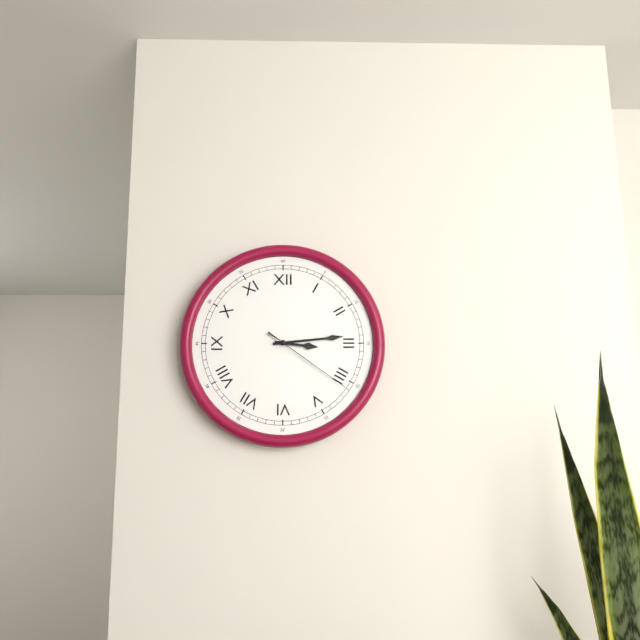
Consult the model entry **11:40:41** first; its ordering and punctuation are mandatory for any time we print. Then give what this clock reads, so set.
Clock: **3:14:21**
